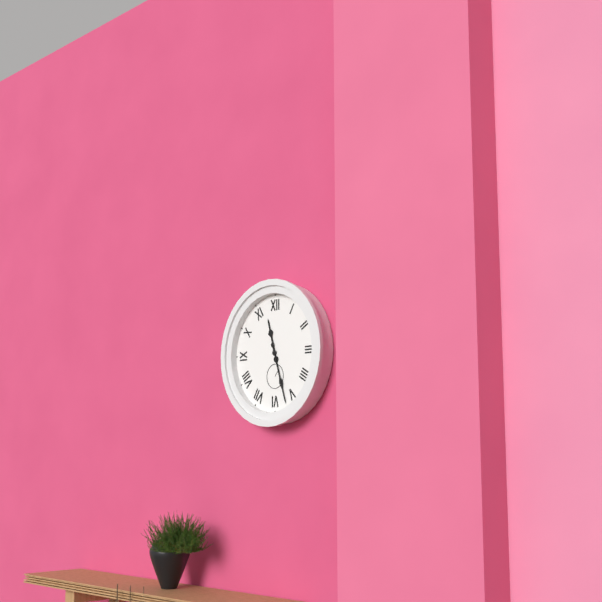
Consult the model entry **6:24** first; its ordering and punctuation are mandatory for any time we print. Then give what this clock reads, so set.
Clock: **11:27**
